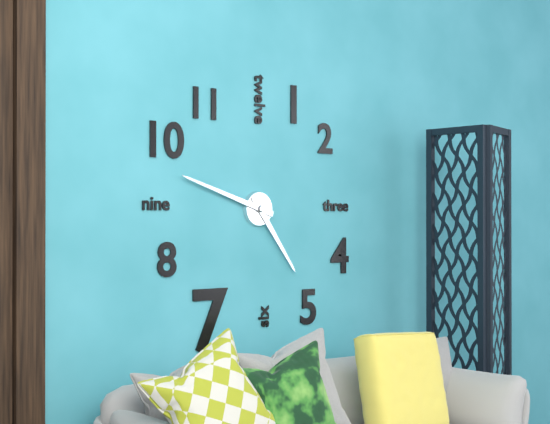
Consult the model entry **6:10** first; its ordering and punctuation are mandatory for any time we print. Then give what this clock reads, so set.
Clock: **4:48**
